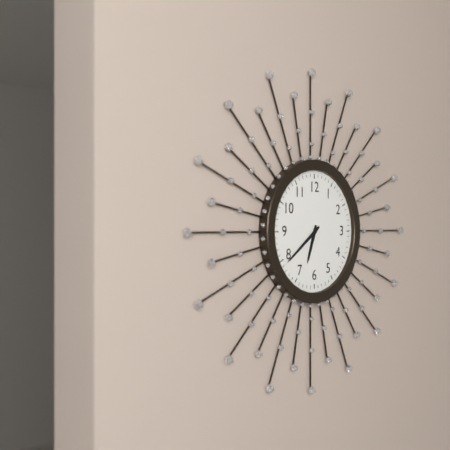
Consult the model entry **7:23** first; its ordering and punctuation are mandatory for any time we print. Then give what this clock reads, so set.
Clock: **6:39**
